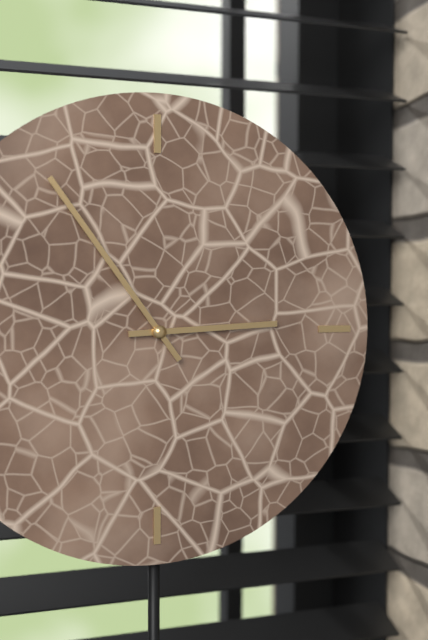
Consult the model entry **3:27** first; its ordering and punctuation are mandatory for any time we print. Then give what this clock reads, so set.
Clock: **2:54**
